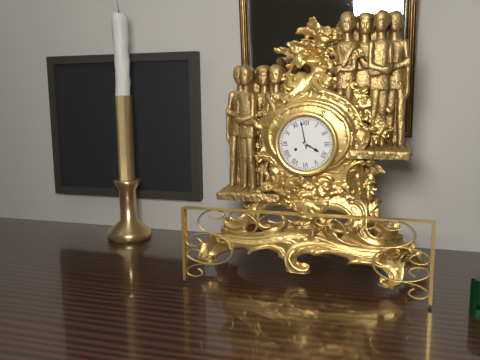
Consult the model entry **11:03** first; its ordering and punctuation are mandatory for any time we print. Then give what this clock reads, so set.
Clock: **3:58**
